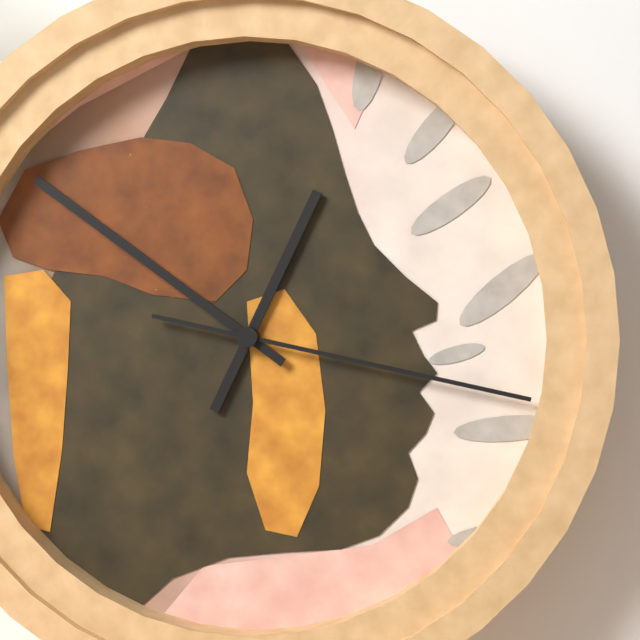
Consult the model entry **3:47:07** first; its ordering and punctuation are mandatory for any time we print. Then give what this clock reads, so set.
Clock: **12:51:17**
